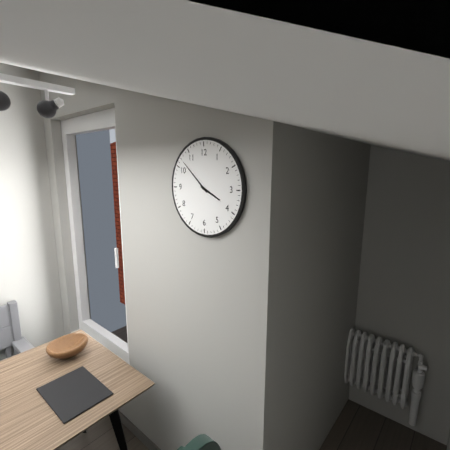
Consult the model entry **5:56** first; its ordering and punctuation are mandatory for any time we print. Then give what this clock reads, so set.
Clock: **3:52**
